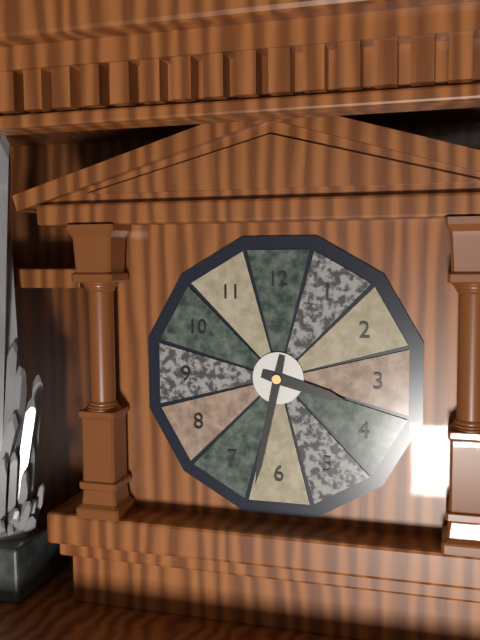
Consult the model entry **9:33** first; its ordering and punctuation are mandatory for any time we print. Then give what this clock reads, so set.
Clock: **3:32**
